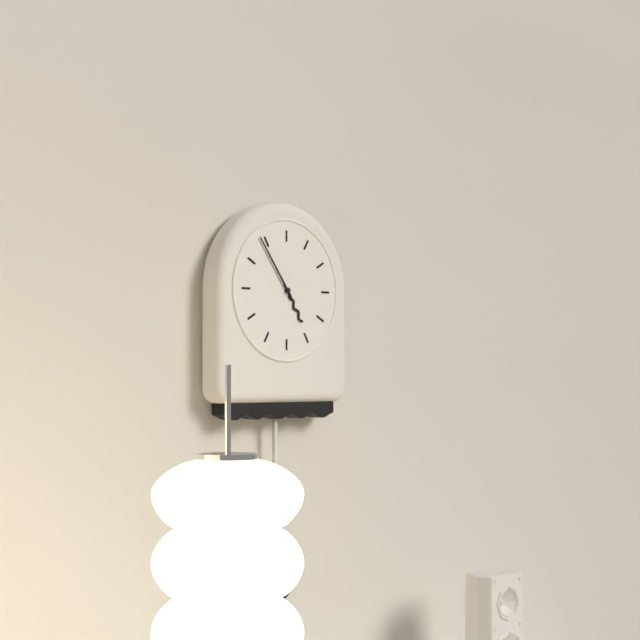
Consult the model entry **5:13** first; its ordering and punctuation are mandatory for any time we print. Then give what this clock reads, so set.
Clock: **4:54**
